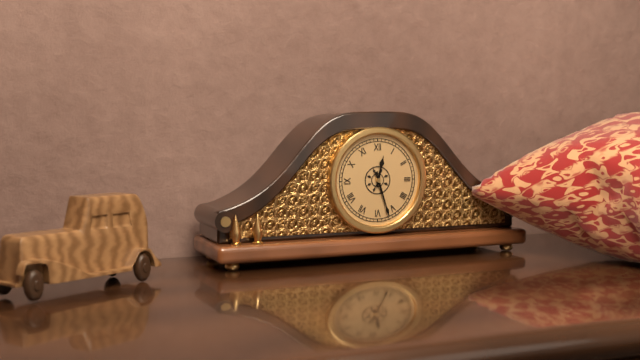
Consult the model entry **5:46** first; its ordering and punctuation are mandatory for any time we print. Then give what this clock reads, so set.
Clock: **12:27**
